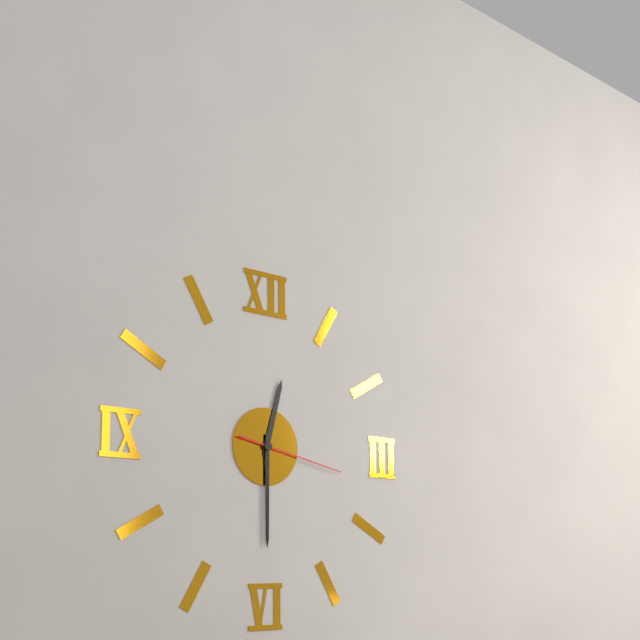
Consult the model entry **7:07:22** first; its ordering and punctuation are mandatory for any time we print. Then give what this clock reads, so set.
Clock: **12:30:17**
